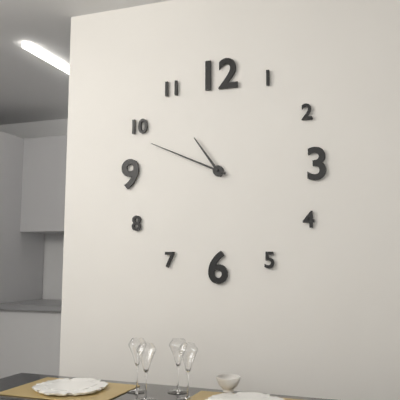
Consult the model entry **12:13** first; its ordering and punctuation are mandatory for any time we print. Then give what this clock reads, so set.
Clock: **10:49**
